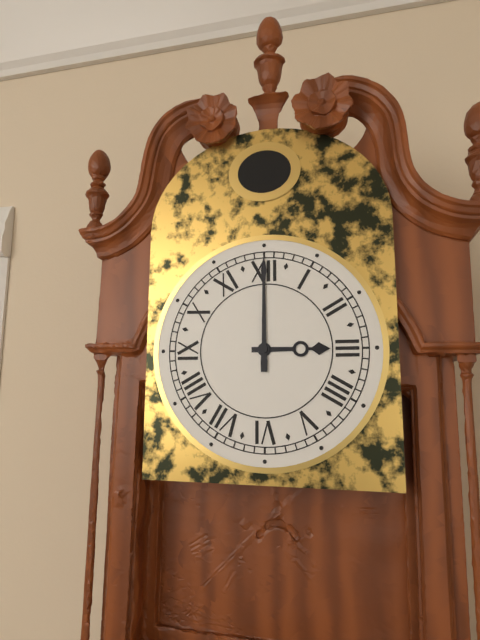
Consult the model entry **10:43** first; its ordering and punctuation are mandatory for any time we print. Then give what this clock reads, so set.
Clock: **3:00**
